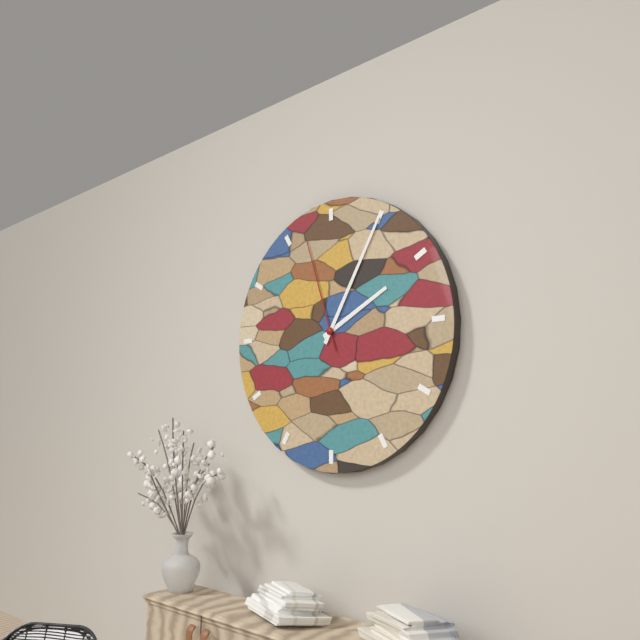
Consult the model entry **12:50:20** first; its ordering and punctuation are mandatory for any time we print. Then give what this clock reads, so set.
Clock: **2:05:57**
